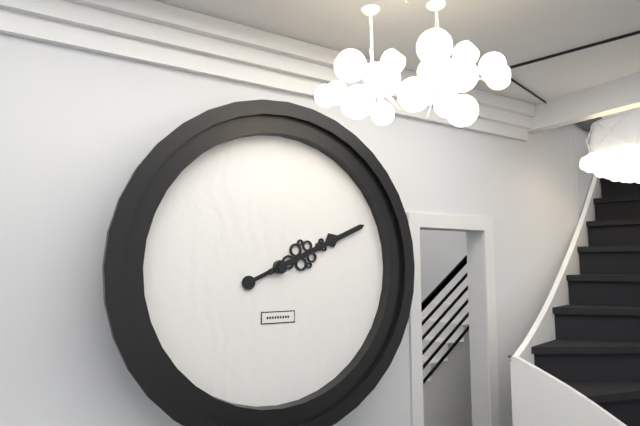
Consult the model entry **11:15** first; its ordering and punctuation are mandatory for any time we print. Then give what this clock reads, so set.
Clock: **2:11**
